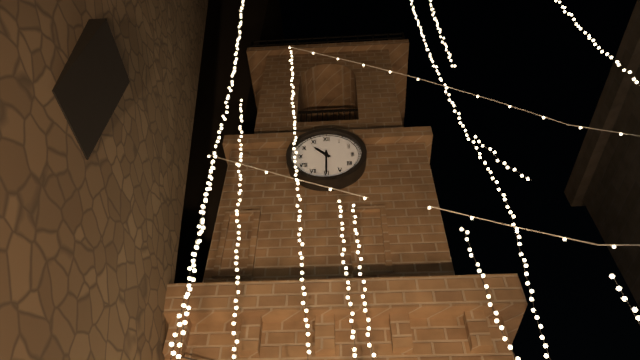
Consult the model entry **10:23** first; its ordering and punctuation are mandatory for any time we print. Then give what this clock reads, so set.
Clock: **10:30**
